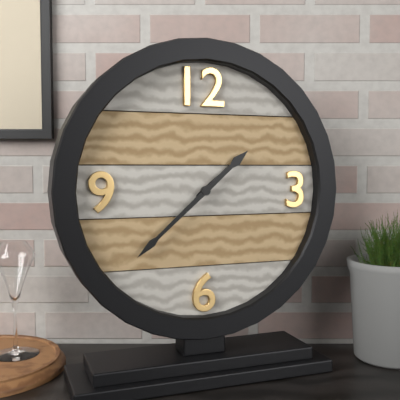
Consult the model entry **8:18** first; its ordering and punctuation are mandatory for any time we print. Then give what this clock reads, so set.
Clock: **1:38**
